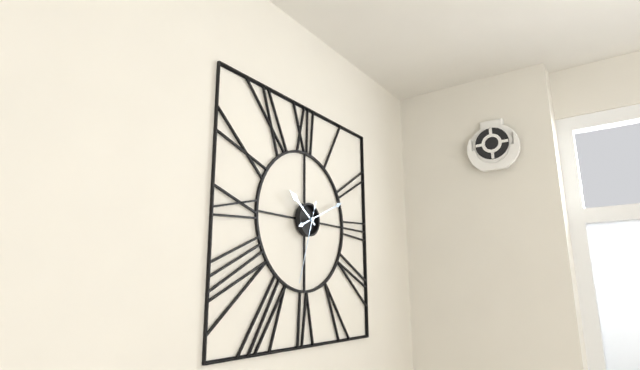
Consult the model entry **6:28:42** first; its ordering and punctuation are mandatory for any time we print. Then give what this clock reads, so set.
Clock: **10:11:33**
